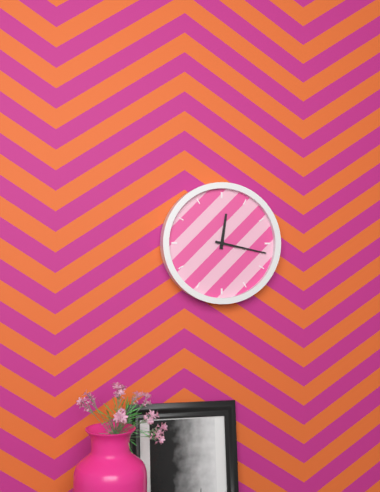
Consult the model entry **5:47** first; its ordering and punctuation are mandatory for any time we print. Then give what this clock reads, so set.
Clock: **12:17**
